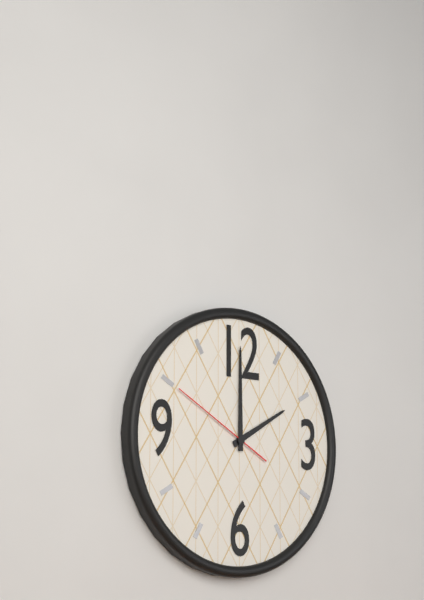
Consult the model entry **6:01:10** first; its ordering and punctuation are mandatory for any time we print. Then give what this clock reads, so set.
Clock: **2:00:50**
